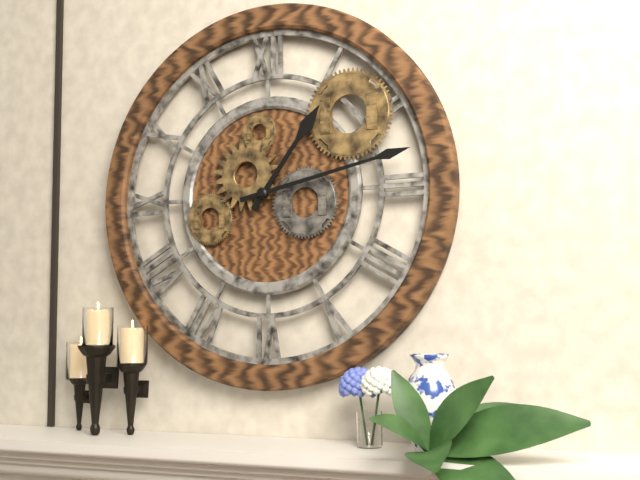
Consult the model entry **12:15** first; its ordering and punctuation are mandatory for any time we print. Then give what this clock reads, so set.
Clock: **1:13**
